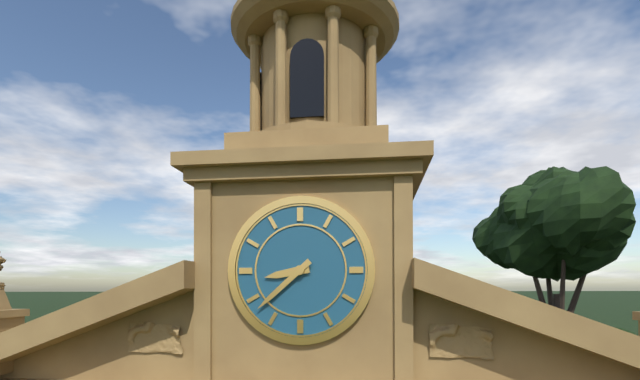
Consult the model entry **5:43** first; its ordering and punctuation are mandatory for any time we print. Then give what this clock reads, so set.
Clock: **8:38**
